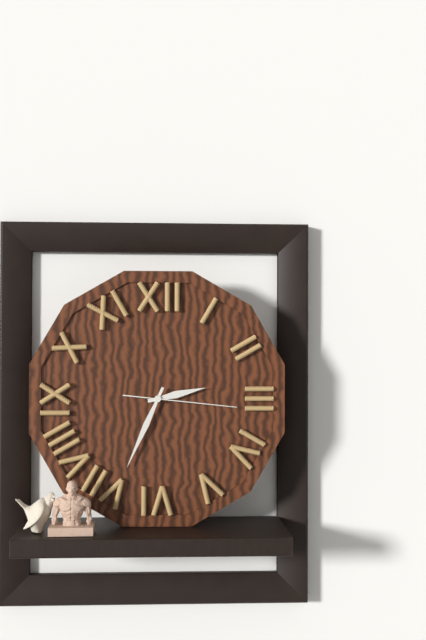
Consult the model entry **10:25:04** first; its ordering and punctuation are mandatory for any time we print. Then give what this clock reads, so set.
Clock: **2:34:16**
